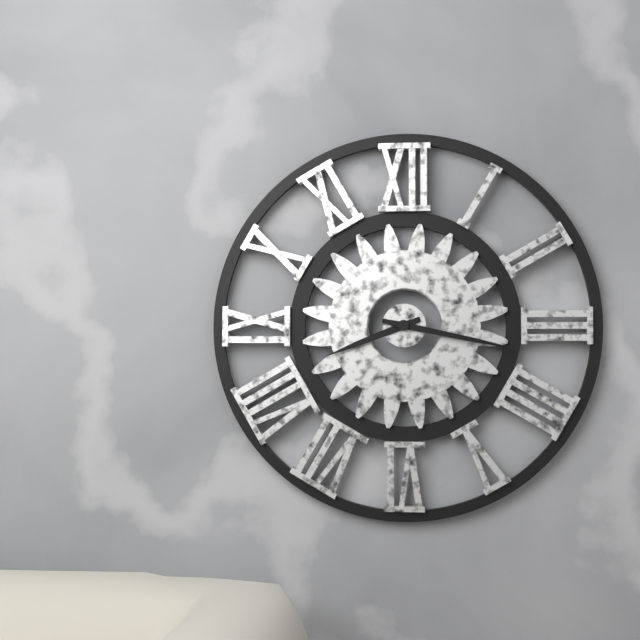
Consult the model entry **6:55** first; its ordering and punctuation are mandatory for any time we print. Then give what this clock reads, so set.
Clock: **8:17**
